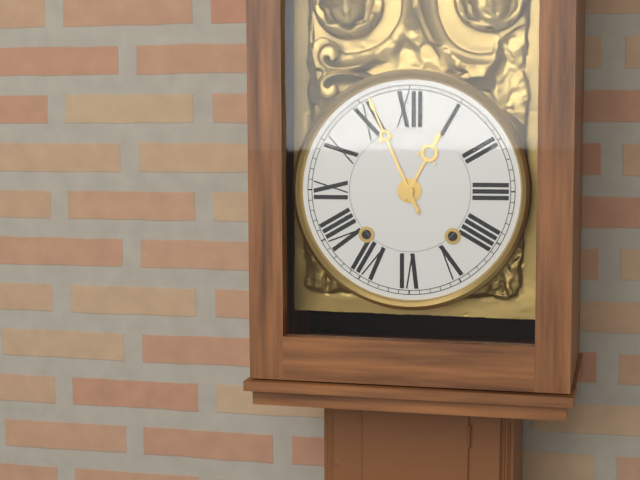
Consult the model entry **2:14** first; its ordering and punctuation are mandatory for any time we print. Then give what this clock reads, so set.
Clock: **12:56**
